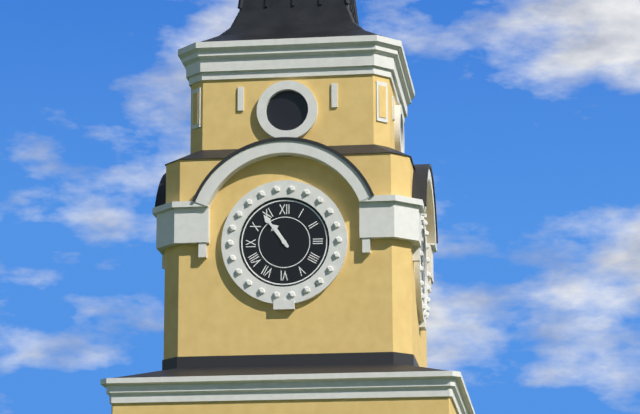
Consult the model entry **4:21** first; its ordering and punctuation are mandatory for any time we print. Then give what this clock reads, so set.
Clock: **10:54**
